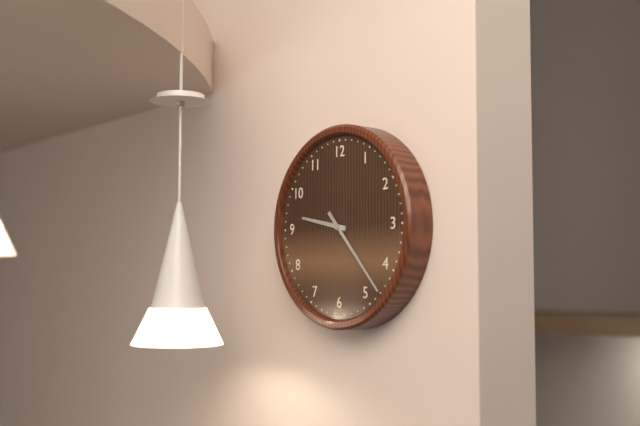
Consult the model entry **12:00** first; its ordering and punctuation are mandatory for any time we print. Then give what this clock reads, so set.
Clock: **9:23**
